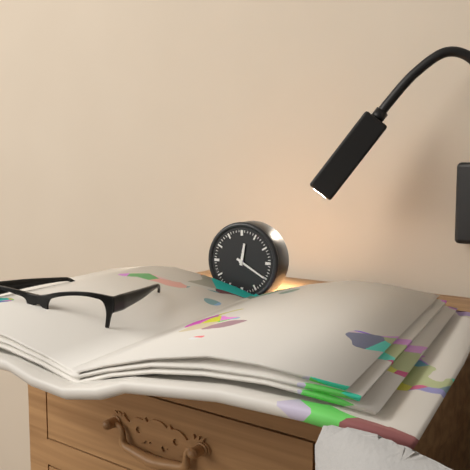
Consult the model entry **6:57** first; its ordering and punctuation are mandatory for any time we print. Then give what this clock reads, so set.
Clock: **12:20**
